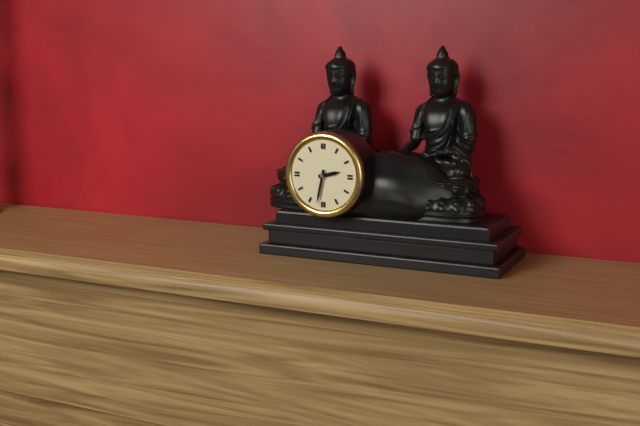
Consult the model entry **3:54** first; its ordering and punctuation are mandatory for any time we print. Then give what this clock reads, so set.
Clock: **2:32**
